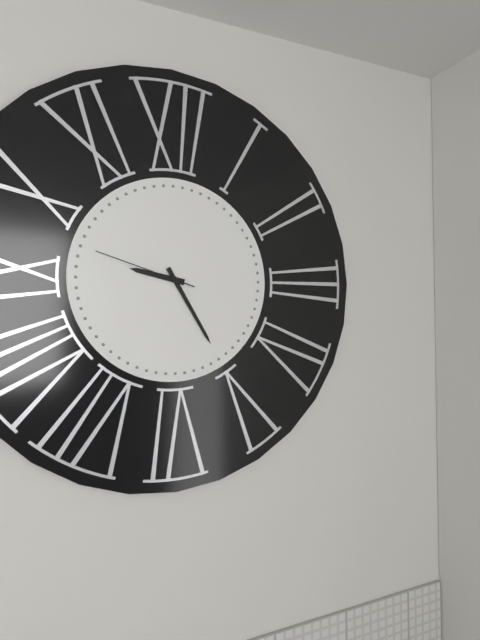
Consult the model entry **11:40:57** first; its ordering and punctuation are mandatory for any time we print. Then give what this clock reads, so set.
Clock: **9:25:48**
